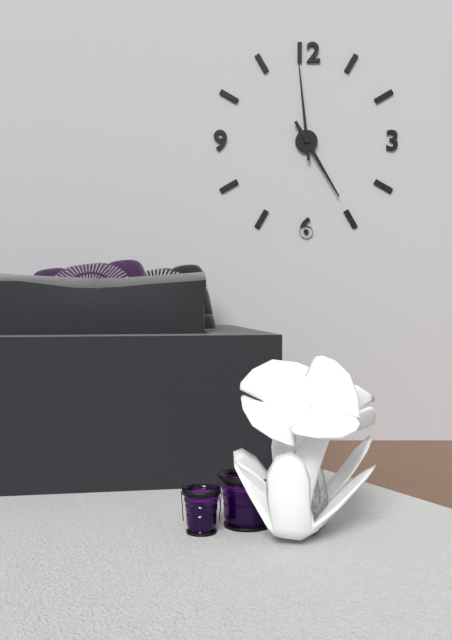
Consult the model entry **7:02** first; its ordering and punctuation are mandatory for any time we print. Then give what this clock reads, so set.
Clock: **4:59**
